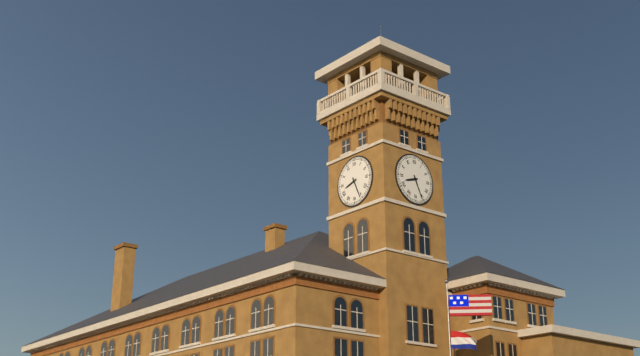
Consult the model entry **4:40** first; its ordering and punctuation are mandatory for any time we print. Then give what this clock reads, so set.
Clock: **8:26**
